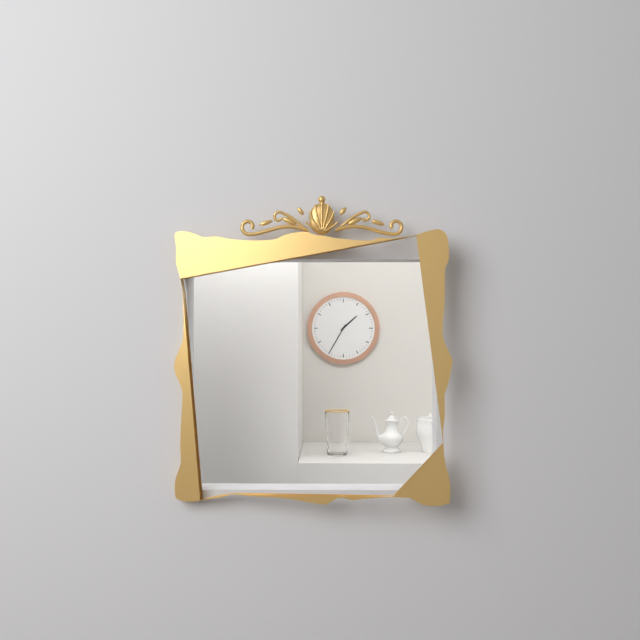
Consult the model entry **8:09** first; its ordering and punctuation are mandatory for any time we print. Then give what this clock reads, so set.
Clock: **1:35**
